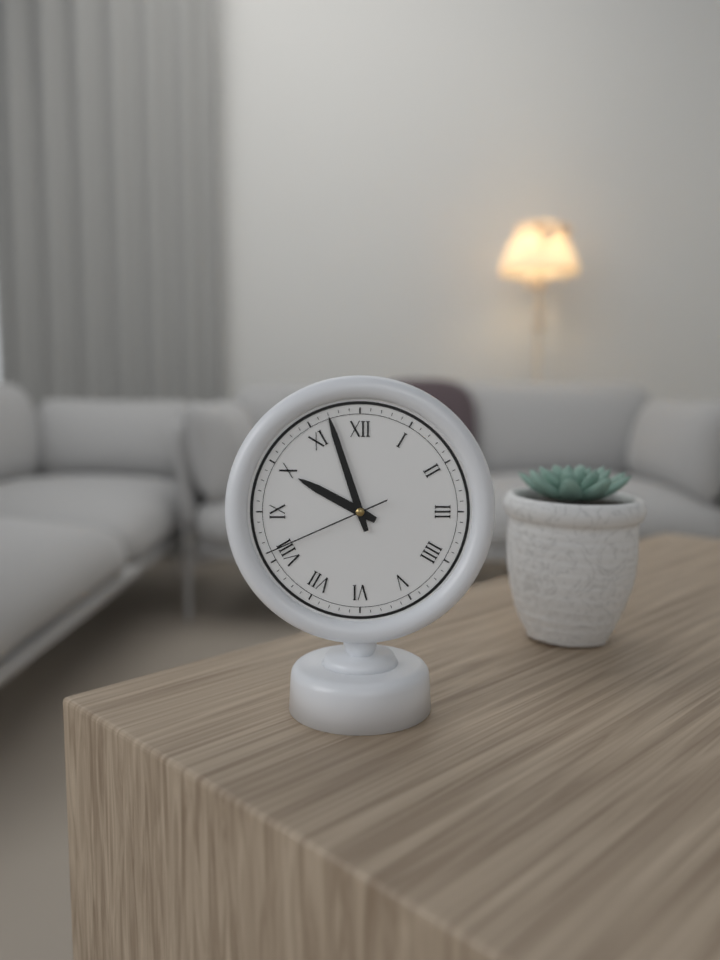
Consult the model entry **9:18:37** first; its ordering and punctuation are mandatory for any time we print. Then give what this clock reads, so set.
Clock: **9:57:41**
